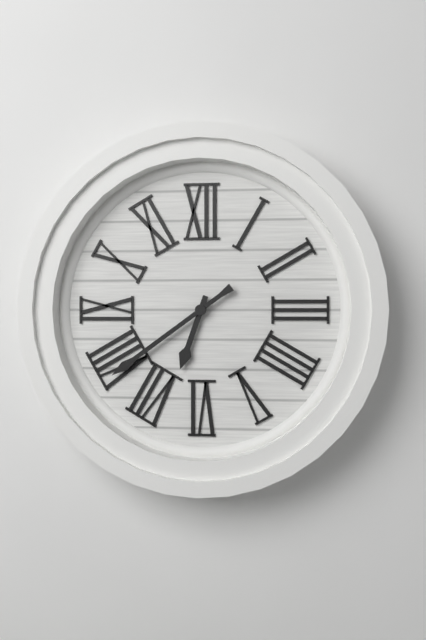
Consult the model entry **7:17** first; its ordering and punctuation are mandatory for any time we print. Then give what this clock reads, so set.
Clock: **6:39**
